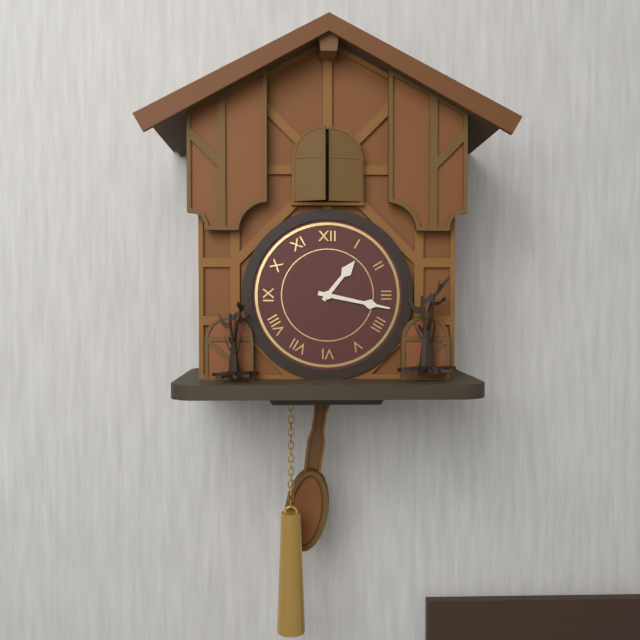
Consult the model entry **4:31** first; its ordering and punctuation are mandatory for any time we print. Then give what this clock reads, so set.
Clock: **1:17**
